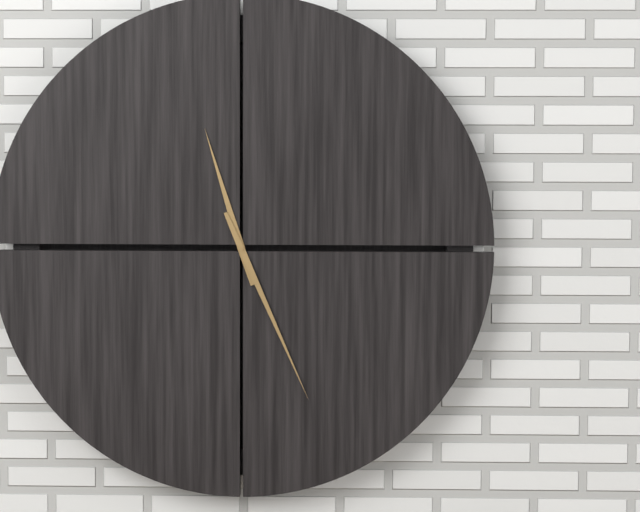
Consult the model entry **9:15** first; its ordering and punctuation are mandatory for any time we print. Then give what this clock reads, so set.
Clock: **11:26**
